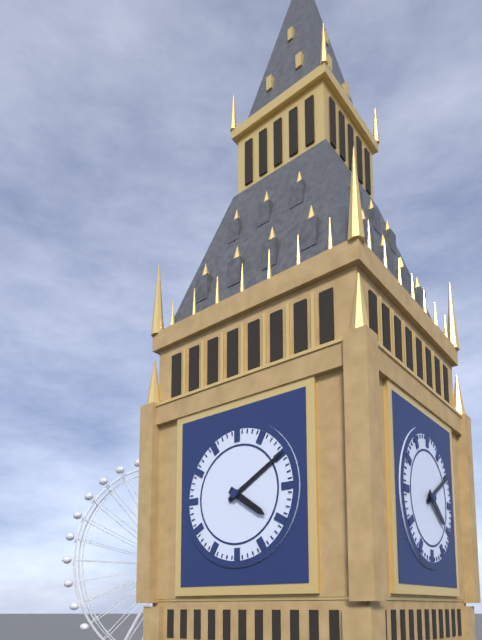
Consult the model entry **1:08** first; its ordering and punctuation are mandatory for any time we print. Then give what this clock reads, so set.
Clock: **4:10**
